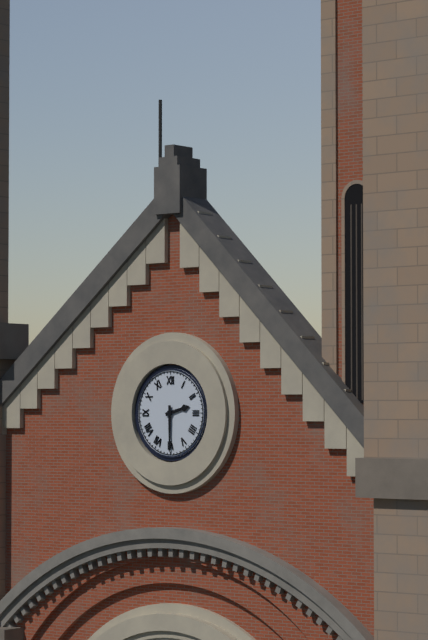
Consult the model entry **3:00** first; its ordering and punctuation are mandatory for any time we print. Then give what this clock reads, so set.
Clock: **2:30**
